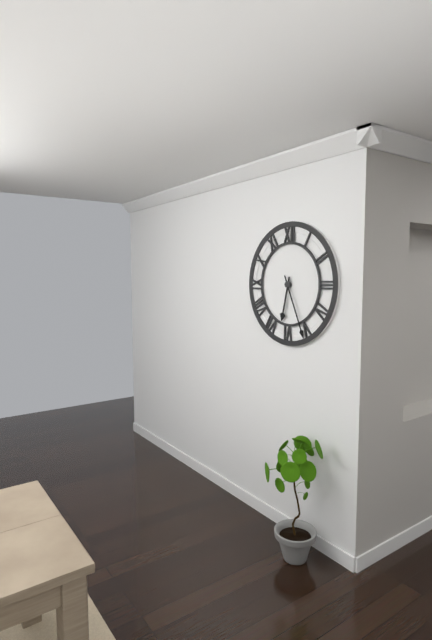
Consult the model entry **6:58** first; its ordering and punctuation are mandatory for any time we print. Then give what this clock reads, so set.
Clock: **6:26**
